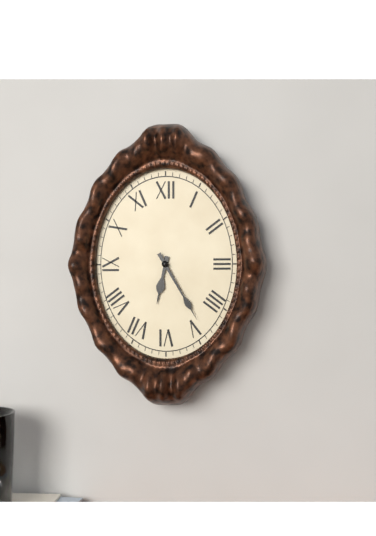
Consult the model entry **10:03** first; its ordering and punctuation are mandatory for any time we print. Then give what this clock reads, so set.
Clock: **6:25**
